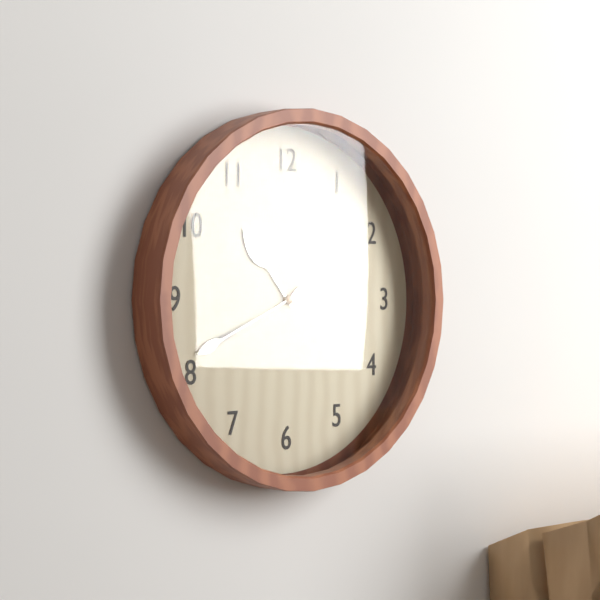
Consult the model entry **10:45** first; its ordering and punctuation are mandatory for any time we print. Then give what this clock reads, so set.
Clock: **10:41**
